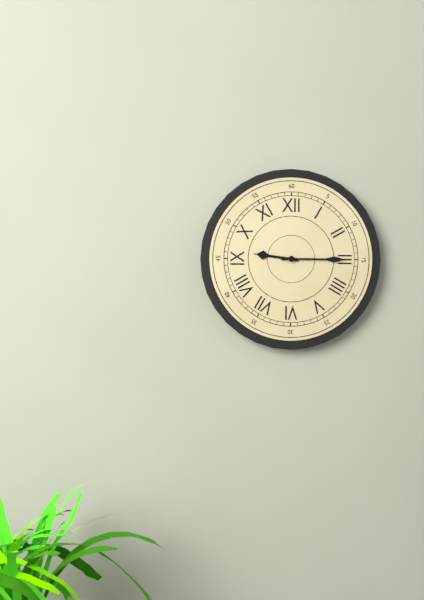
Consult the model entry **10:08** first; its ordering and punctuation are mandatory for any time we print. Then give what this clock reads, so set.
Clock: **9:15**
